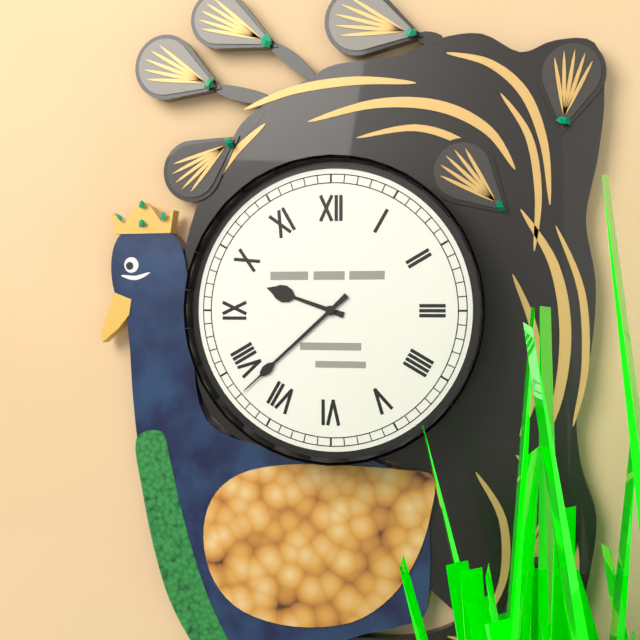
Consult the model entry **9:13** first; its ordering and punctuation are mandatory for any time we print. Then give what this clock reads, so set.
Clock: **9:38**
